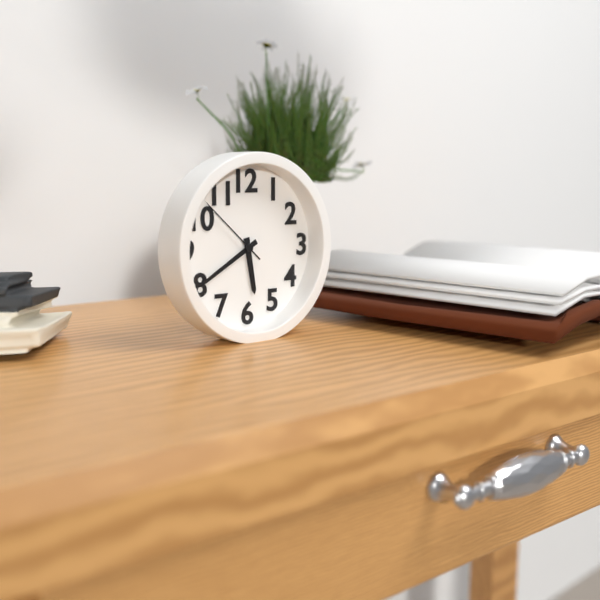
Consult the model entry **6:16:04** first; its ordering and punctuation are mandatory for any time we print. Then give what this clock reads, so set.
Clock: **5:40:52**
